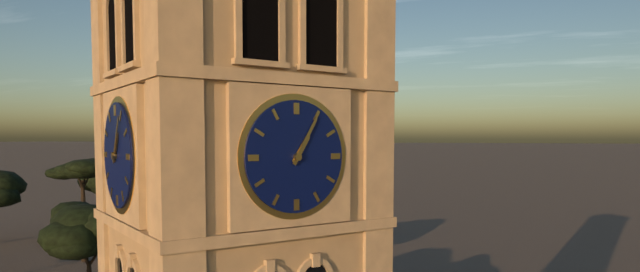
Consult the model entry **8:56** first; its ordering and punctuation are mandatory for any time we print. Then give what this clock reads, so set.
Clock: **1:05**
